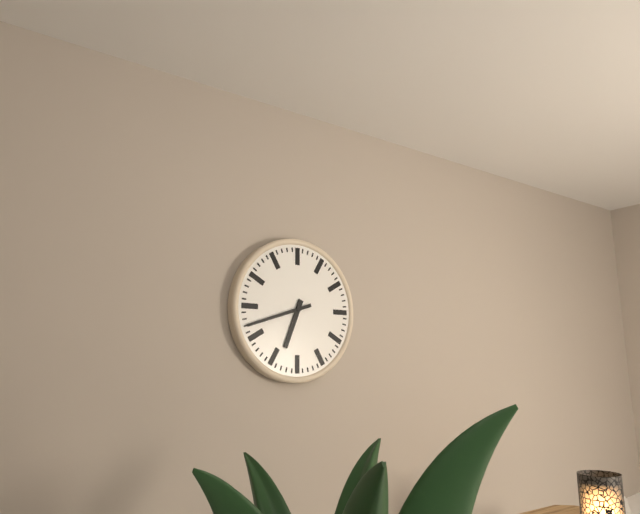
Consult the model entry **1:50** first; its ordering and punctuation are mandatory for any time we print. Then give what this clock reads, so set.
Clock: **6:42**
